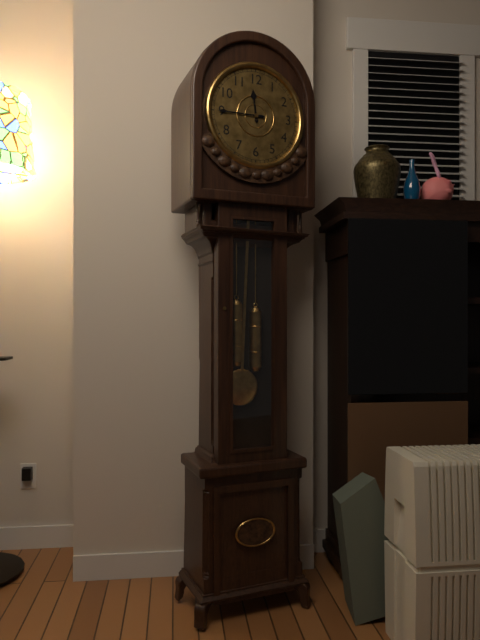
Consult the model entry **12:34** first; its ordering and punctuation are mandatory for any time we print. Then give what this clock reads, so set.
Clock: **11:45**
